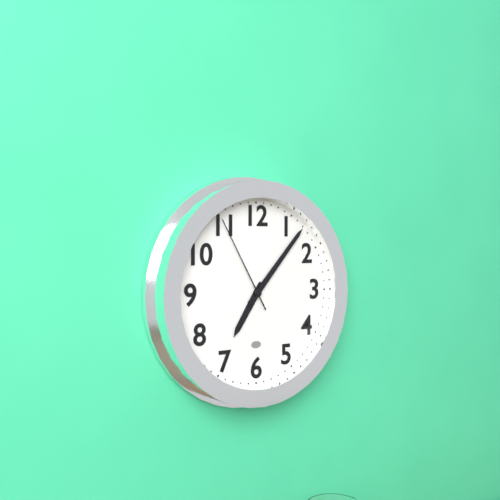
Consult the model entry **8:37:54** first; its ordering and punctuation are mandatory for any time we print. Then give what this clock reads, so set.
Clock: **7:07:55**
